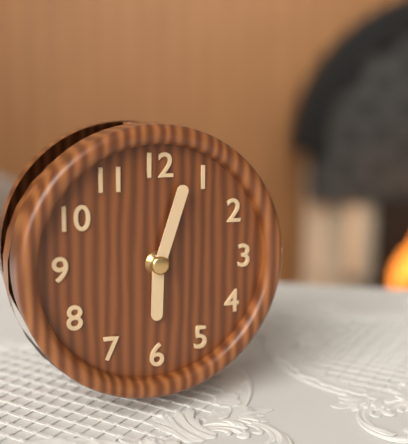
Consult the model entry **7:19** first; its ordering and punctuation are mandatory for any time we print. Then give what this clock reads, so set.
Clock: **6:03**
